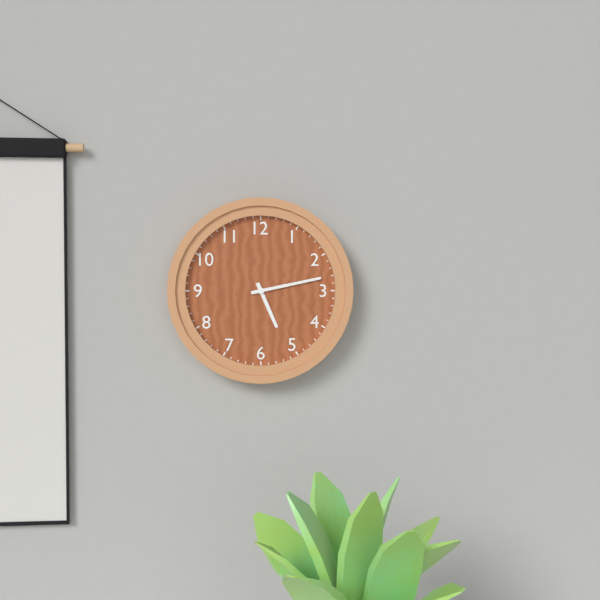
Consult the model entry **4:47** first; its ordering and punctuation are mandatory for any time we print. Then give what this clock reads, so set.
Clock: **5:13**
